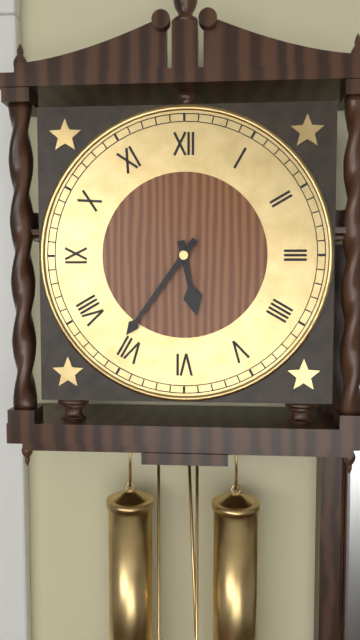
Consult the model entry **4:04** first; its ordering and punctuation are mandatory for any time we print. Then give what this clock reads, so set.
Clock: **5:36**
